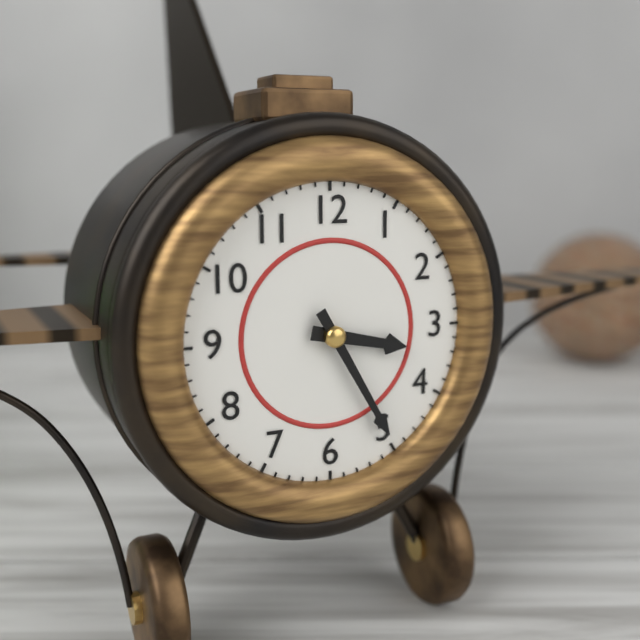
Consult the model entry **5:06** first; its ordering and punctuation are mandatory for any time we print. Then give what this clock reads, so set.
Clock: **3:25**
